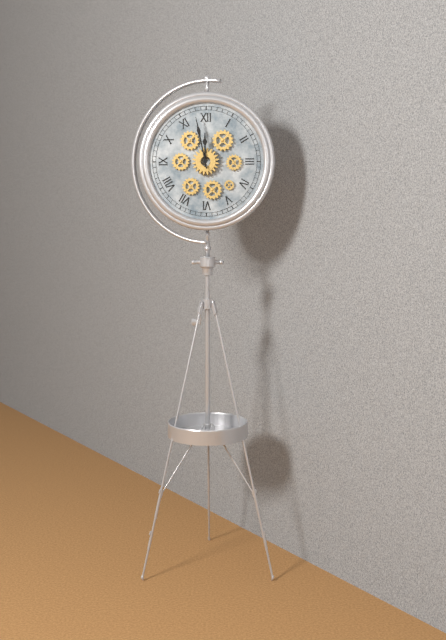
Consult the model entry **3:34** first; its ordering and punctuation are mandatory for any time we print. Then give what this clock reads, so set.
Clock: **11:58**
